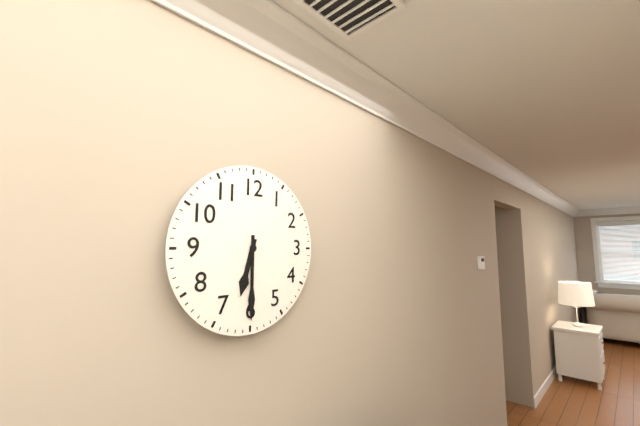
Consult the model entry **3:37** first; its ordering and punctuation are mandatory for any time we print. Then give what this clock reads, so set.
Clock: **6:30**
